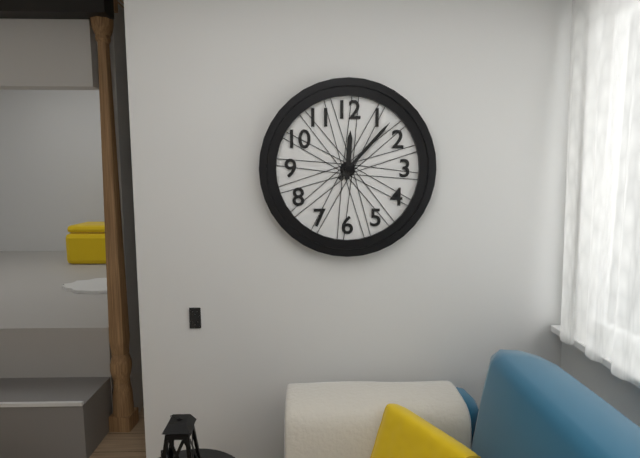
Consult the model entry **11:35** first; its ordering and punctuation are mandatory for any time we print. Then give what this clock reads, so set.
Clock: **12:07**
